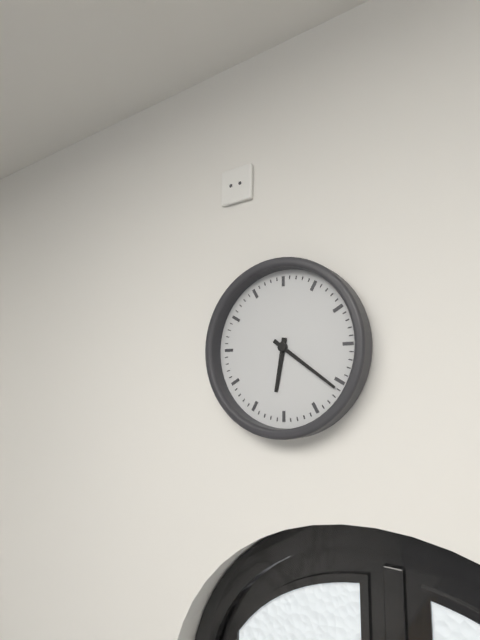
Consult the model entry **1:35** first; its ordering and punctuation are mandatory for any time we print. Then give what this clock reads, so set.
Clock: **6:21**
